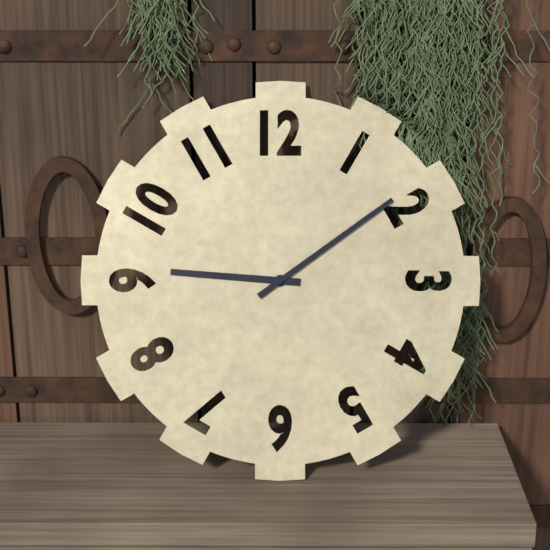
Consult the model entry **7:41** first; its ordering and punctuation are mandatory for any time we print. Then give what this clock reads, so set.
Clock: **9:09**
